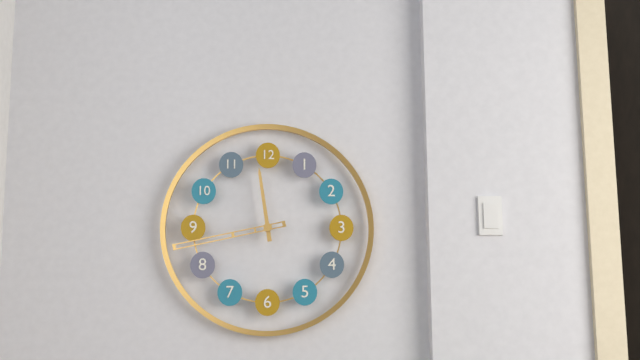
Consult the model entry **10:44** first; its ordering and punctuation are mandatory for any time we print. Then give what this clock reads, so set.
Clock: **11:43**
